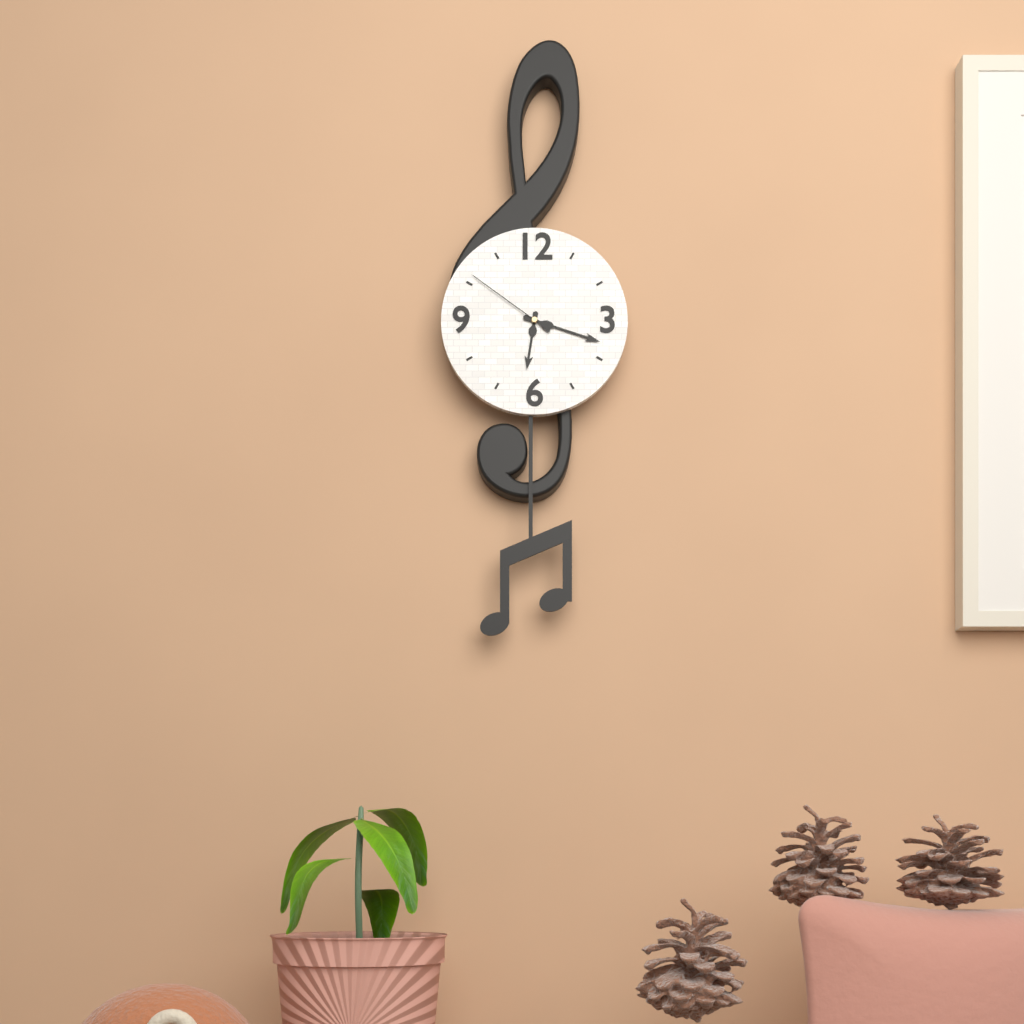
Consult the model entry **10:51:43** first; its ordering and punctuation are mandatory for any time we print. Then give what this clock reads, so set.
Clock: **6:18:51**
